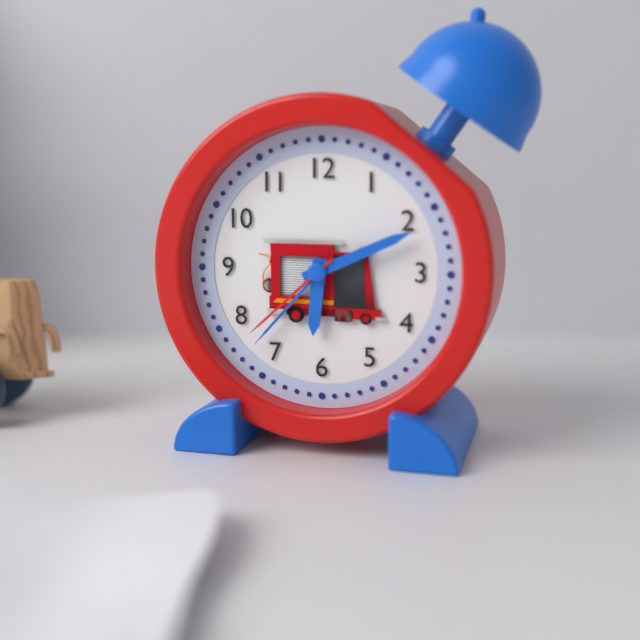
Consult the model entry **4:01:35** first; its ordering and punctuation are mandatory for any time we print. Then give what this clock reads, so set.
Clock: **6:11:38**
